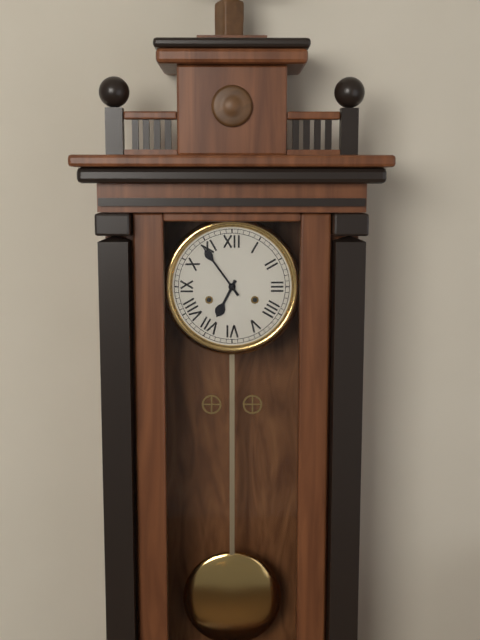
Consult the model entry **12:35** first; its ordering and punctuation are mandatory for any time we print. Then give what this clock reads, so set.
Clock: **6:54**
